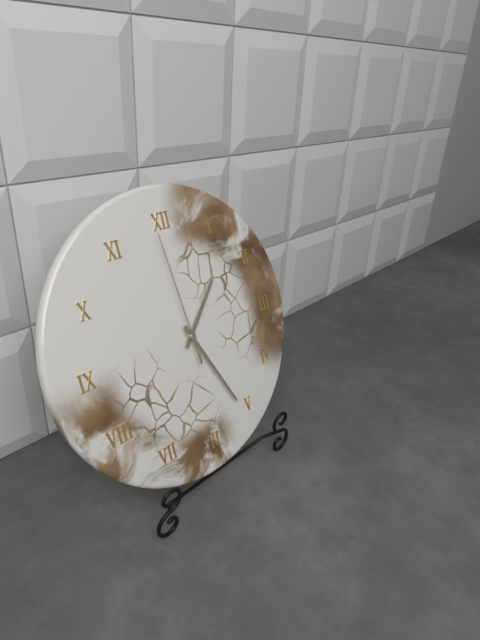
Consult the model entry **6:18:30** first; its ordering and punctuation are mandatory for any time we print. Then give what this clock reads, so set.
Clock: **1:26:59**
